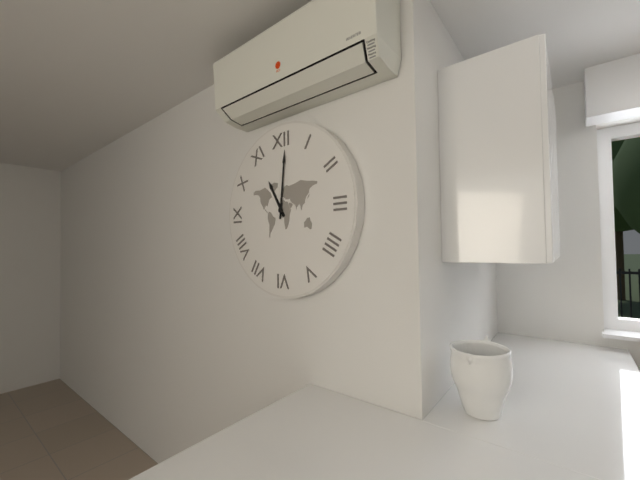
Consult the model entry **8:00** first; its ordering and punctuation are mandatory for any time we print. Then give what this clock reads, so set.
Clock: **11:01**
